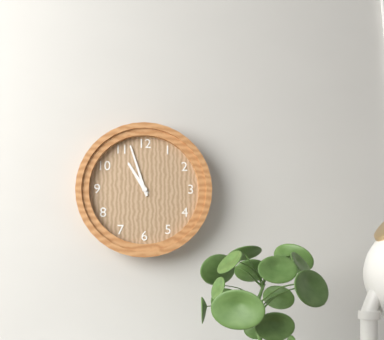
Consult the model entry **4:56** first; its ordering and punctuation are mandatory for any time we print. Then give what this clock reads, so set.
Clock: **10:57**
